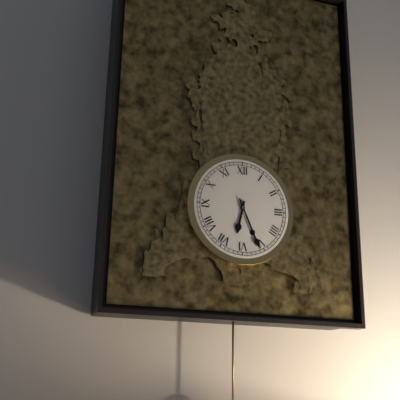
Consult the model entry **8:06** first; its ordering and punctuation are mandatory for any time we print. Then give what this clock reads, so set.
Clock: **6:26**
